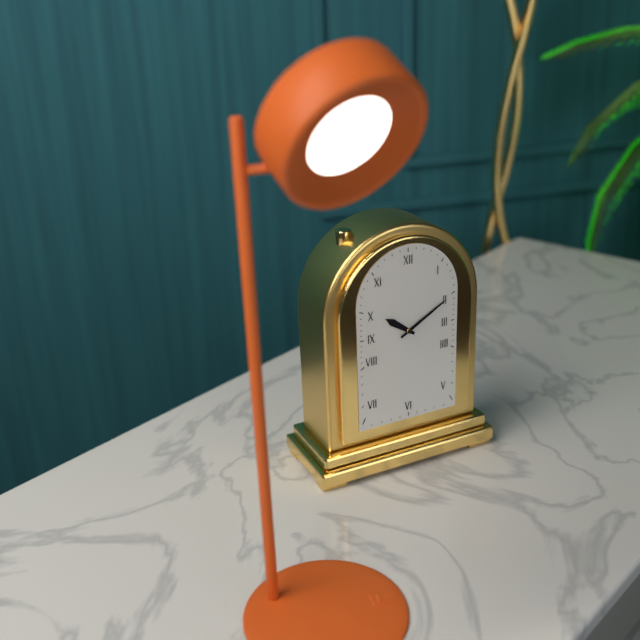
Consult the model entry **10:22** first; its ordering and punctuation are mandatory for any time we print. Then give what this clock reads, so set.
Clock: **10:10**
